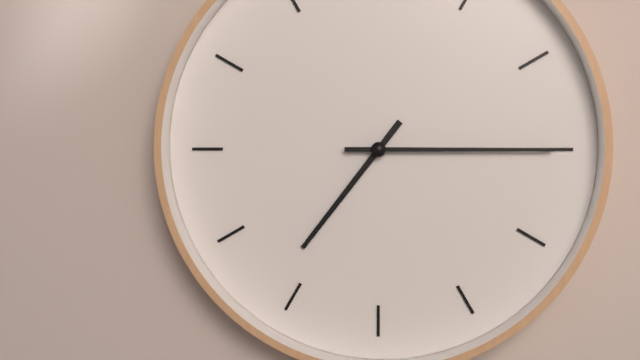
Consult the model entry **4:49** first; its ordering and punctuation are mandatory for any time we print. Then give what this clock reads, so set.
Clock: **7:15**
